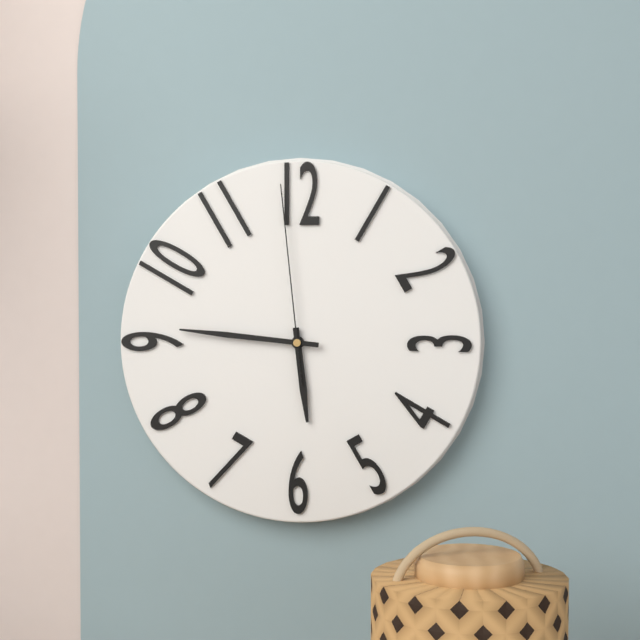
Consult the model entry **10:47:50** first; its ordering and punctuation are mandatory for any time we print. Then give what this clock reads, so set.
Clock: **5:46:59**
